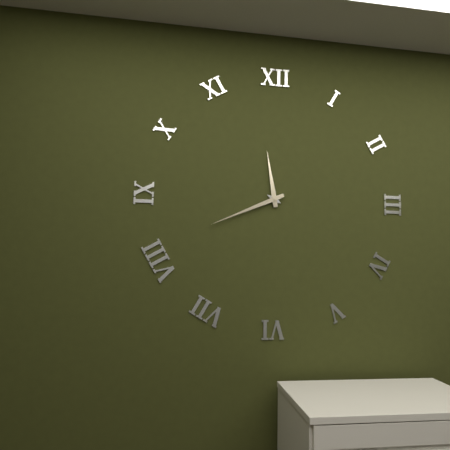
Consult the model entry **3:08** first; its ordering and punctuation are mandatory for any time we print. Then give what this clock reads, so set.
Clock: **11:41**
